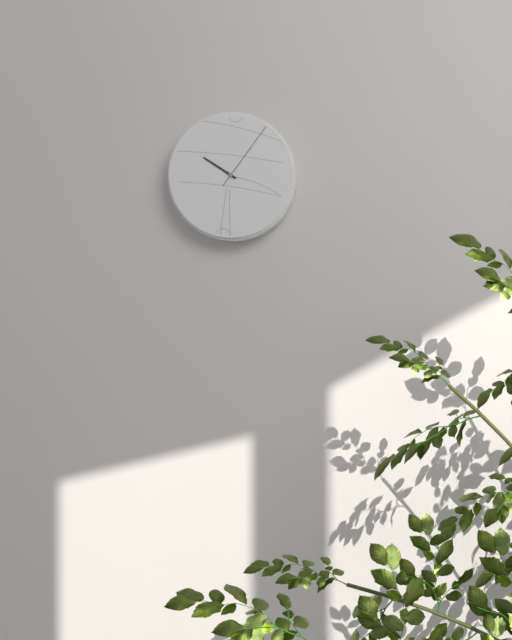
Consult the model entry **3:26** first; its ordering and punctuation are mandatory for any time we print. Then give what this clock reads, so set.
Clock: **10:06**
